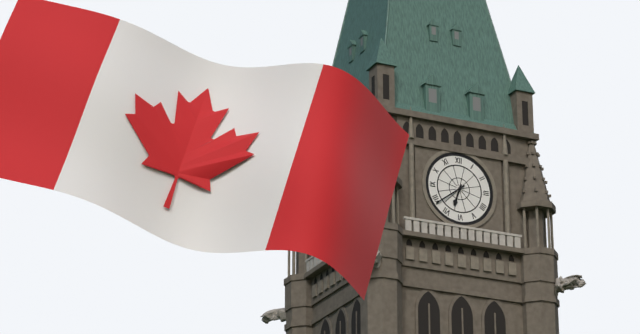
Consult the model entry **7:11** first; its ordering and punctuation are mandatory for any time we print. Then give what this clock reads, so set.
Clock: **6:39**
